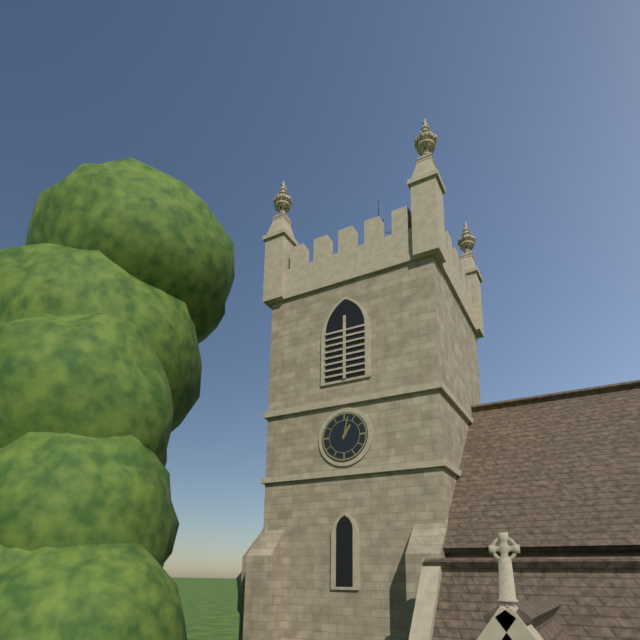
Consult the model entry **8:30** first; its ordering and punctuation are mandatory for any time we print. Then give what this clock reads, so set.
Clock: **1:02**
